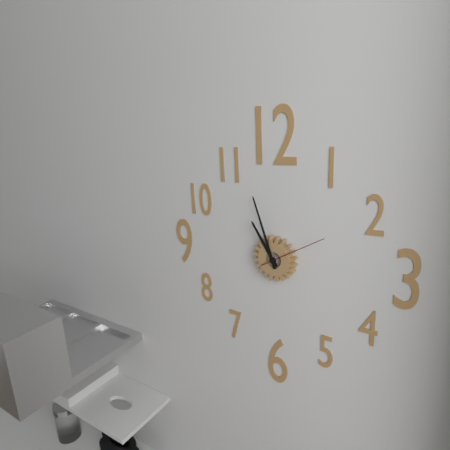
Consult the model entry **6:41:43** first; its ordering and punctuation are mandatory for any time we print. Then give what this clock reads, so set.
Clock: **10:57:10**
